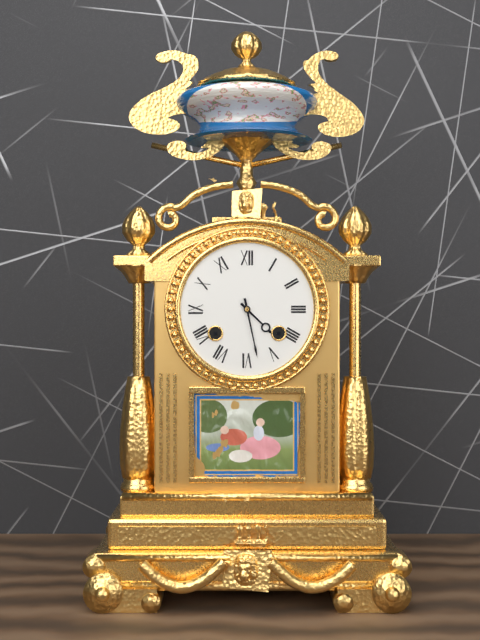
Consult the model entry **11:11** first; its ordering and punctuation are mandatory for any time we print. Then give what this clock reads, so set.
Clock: **4:28**
